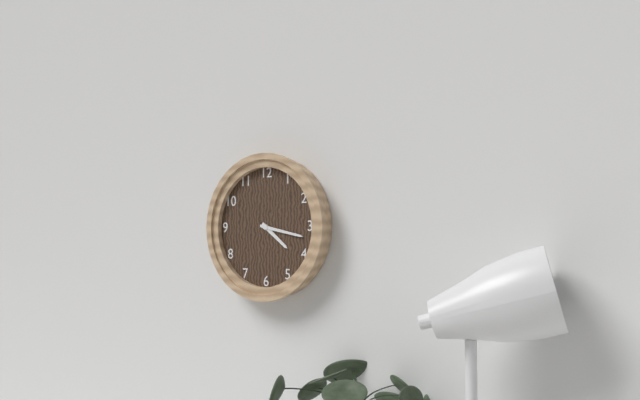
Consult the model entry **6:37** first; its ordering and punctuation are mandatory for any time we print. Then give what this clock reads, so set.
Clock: **4:17**
